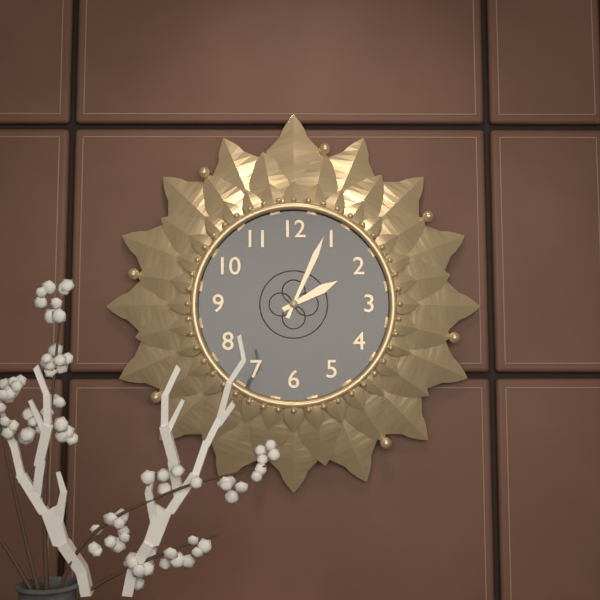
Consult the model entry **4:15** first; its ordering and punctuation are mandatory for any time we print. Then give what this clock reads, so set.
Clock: **2:04**
